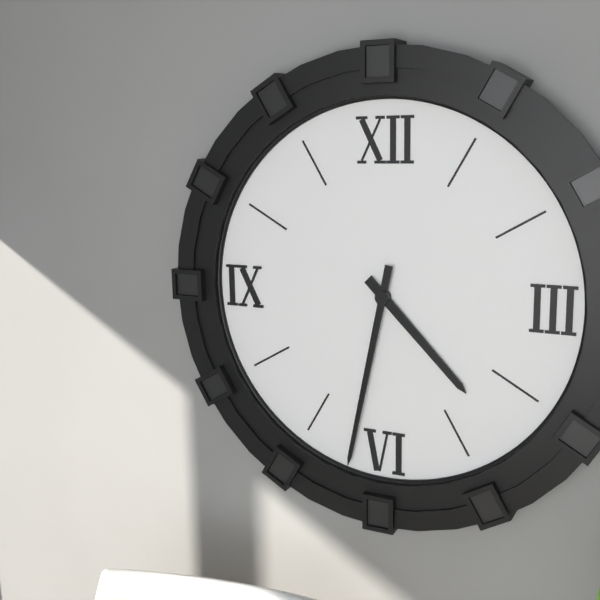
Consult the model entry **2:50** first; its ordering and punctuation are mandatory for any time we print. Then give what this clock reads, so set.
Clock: **4:32**
